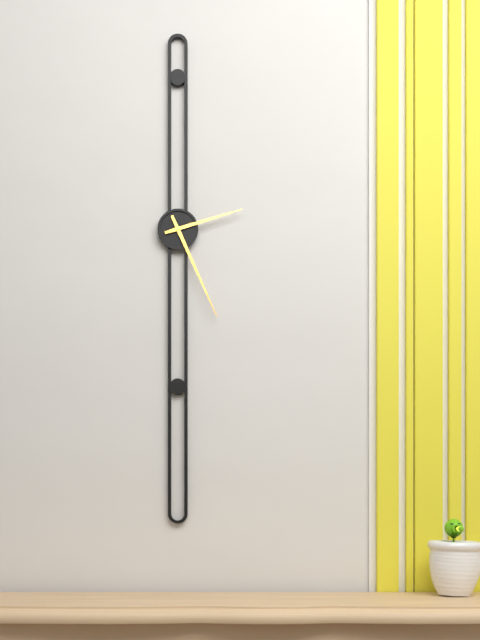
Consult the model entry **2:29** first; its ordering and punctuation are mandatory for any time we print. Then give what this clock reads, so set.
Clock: **2:26**
